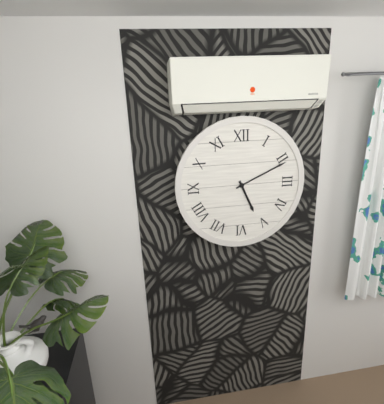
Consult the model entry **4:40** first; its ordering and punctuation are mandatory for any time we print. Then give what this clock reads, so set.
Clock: **5:11**
